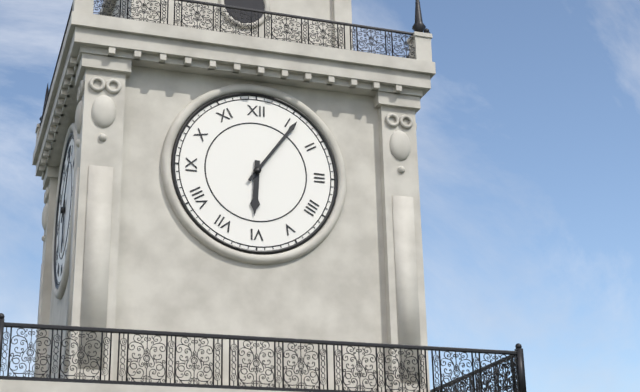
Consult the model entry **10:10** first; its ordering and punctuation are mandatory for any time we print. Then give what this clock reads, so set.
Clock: **6:06**
